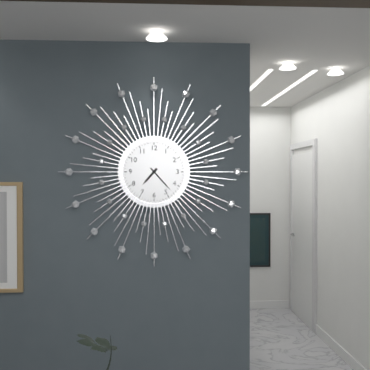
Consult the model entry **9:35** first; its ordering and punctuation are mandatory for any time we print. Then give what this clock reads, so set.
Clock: **7:23**
